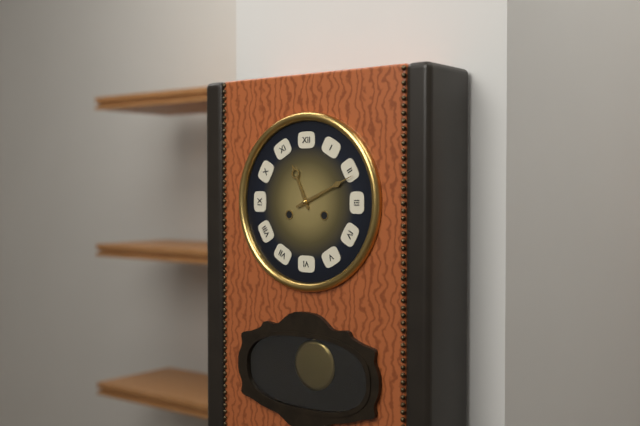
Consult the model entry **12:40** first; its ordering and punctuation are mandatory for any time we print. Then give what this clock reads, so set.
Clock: **11:11**
